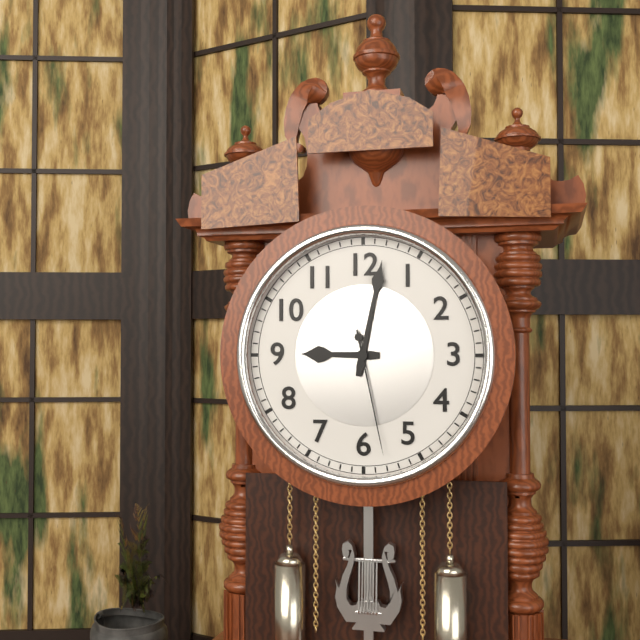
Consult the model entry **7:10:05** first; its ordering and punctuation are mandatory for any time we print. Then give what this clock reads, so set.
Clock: **9:02:28**
